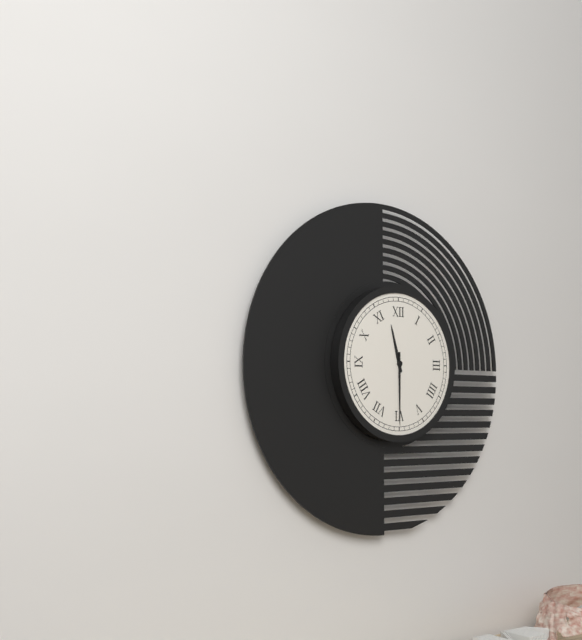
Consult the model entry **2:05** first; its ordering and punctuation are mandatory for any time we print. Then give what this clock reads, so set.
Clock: **11:30**
